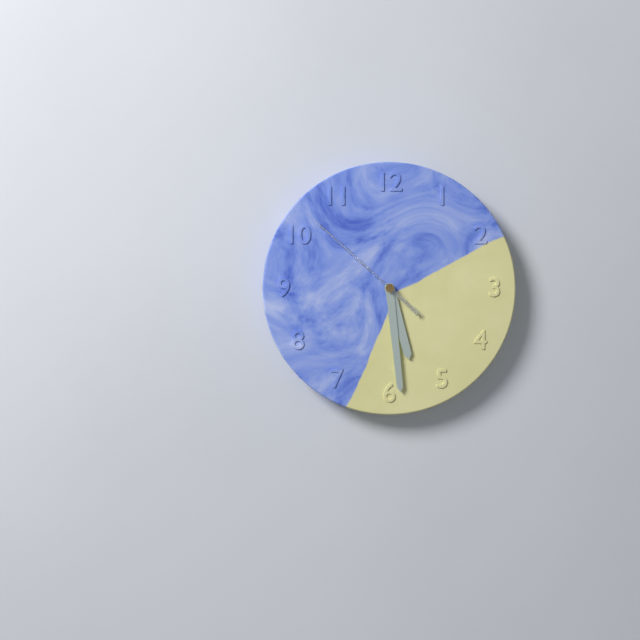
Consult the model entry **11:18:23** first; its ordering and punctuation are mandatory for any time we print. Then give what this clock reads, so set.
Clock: **5:29:52**
